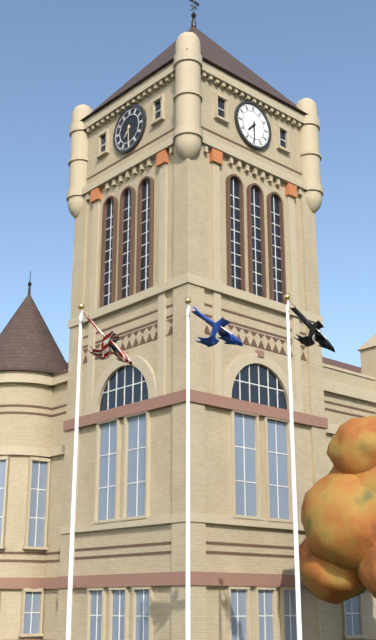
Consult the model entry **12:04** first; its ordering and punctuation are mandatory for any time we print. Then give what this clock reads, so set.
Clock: **7:30**
